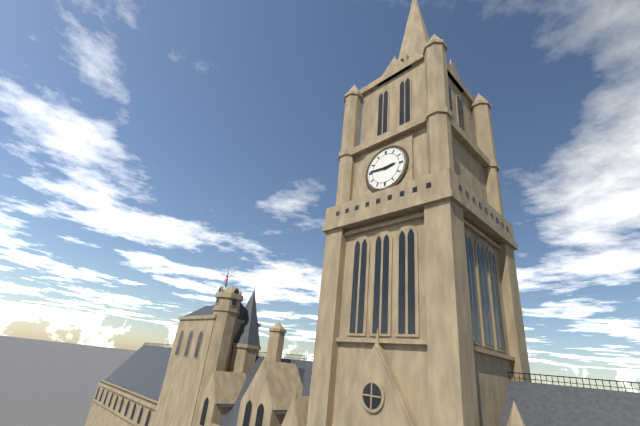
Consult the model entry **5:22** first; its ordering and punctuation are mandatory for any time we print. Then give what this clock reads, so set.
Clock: **2:46**
